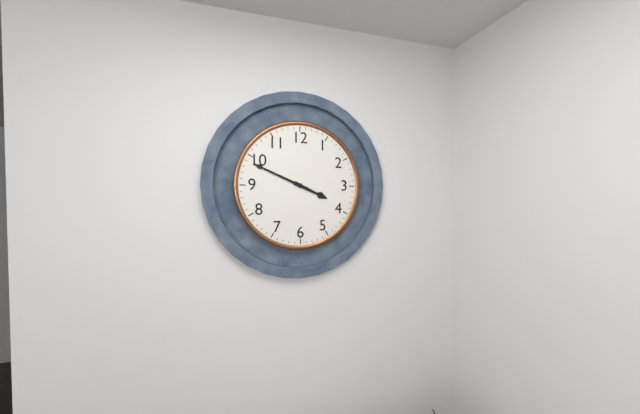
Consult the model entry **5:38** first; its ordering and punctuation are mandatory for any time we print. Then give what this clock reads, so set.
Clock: **3:49**
